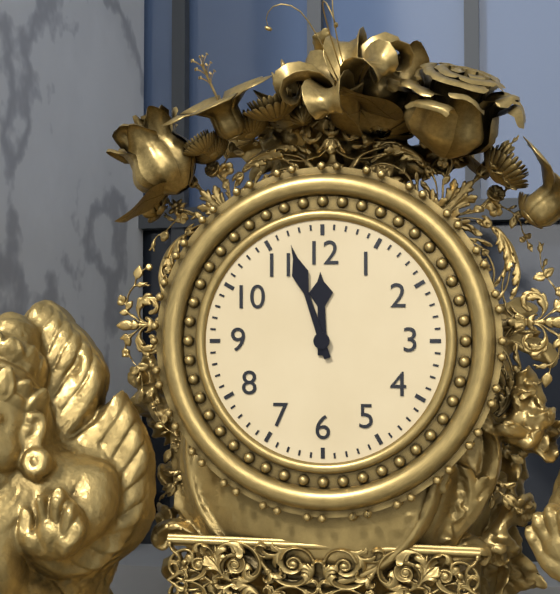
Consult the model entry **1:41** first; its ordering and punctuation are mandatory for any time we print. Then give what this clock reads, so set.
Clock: **11:57**
